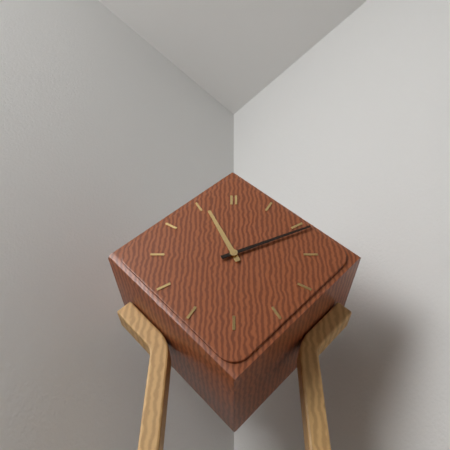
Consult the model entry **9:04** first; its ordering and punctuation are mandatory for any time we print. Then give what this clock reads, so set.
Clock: **11:11**
